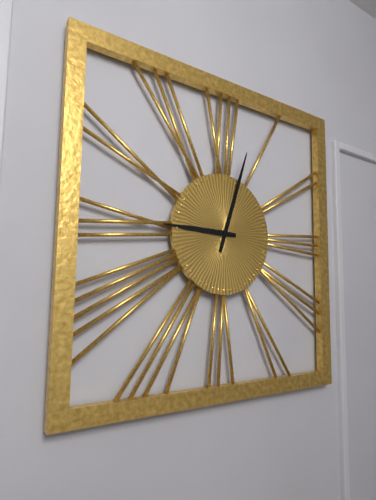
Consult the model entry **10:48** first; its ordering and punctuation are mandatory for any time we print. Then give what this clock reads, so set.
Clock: **9:03**
